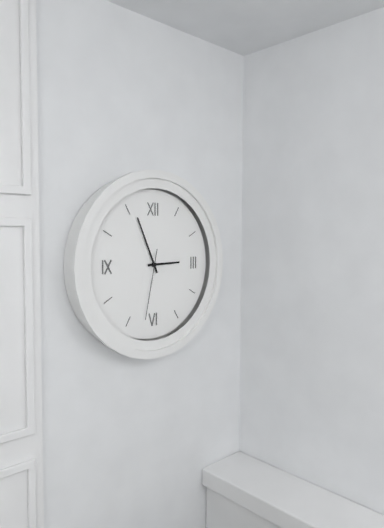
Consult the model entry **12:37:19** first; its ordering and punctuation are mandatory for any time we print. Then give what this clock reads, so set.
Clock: **2:56:32**
